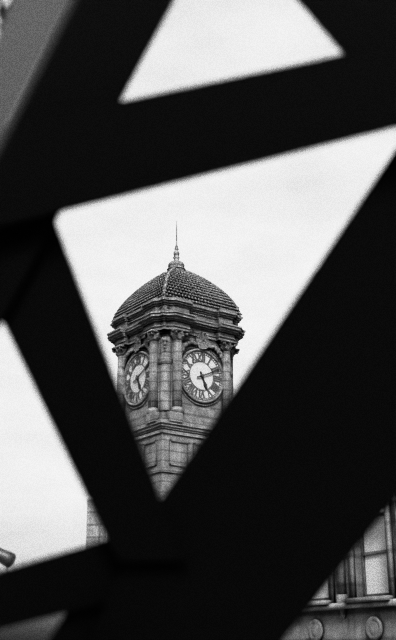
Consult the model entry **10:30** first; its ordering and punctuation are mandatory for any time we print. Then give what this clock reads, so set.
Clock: **5:11**
